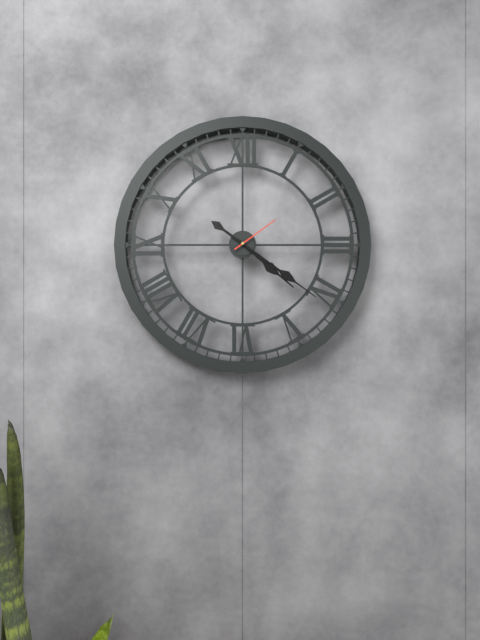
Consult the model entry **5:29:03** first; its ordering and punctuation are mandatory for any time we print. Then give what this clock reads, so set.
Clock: **4:21:09**
